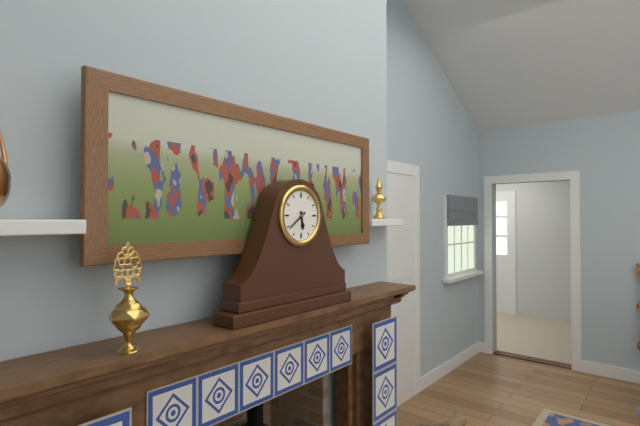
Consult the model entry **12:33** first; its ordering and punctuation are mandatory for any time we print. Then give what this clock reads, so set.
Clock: **5:39**
